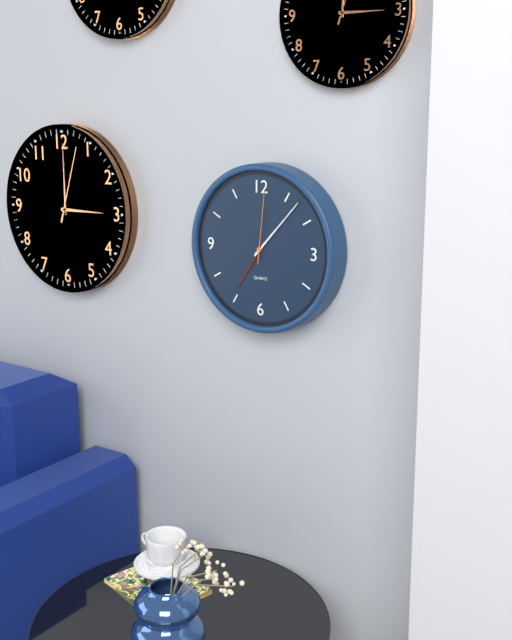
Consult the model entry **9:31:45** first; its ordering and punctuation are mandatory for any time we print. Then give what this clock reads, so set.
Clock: **7:07:01**
